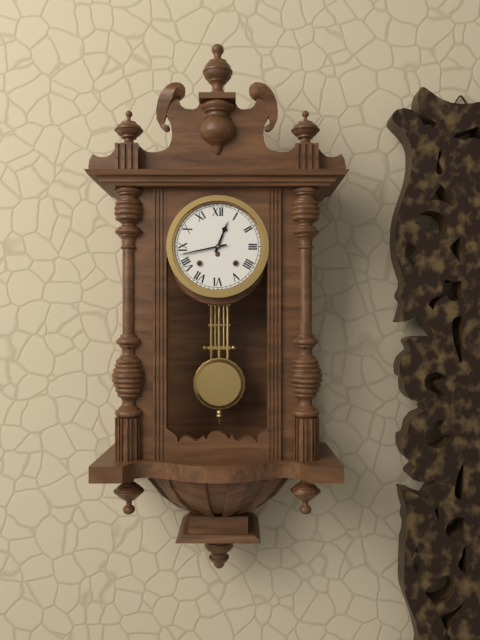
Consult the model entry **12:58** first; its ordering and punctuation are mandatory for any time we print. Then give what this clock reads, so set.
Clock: **12:43**
